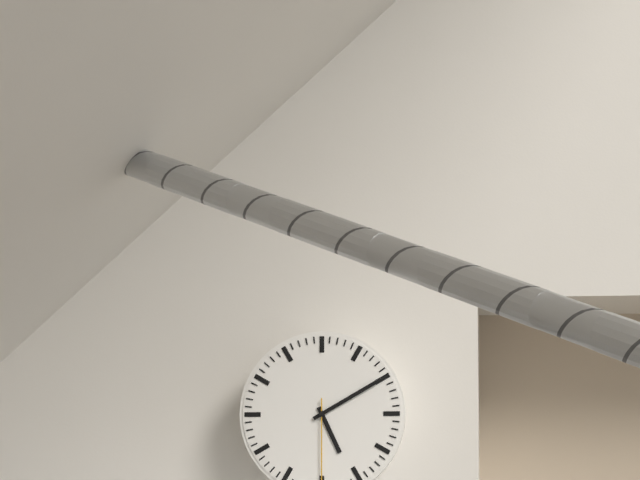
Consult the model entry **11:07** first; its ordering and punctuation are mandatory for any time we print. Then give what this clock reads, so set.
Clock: **5:10**
